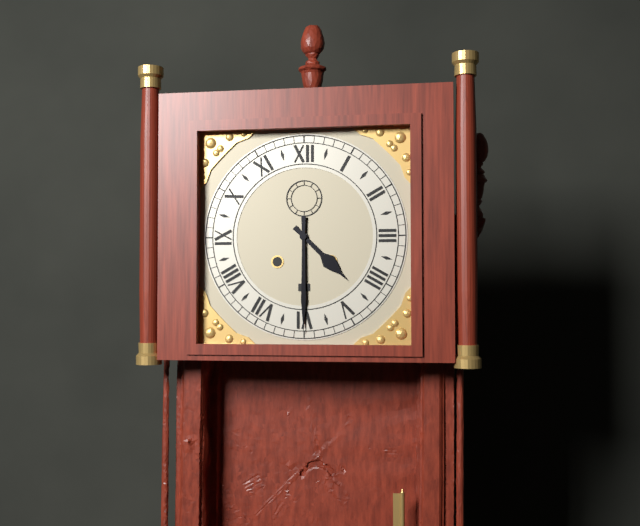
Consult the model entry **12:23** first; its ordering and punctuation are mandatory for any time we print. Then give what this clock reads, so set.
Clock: **4:30**
